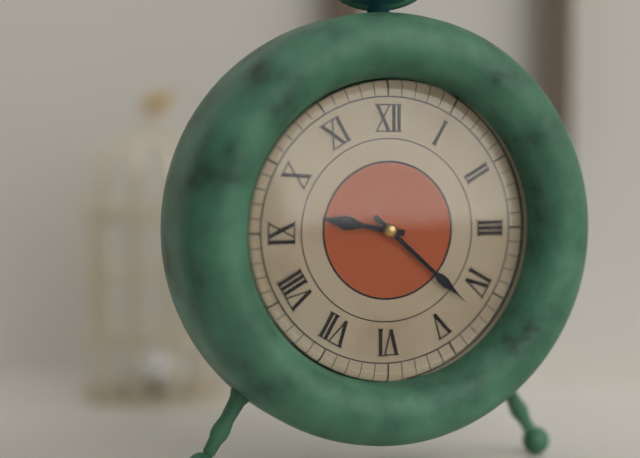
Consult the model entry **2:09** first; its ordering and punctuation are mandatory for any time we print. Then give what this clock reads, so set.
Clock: **9:22**
